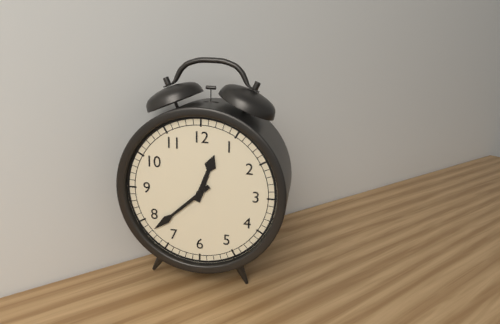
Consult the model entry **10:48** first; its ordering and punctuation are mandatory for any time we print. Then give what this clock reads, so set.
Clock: **12:38**
